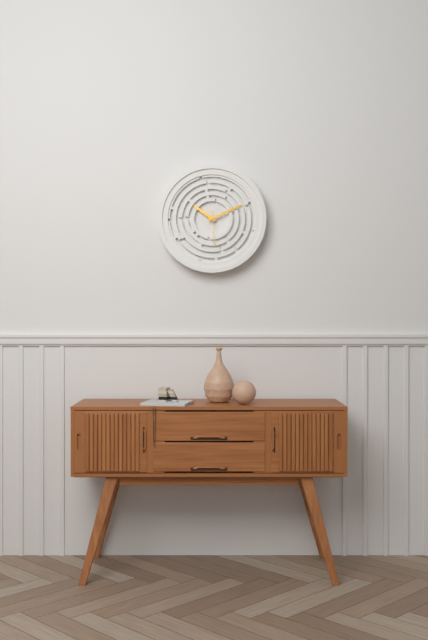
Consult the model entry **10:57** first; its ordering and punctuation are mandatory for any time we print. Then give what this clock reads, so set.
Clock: **10:11**
